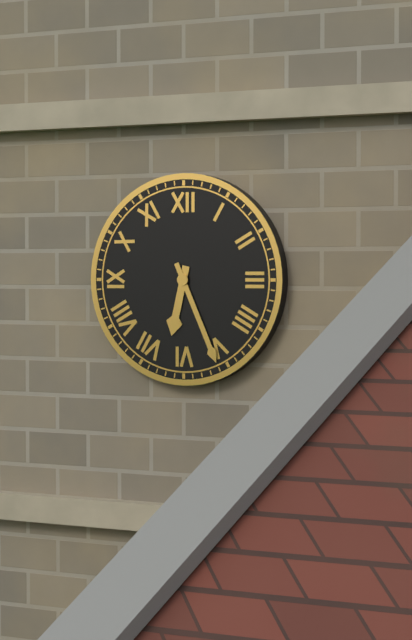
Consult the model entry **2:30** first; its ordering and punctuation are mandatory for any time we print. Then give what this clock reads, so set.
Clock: **6:26**
